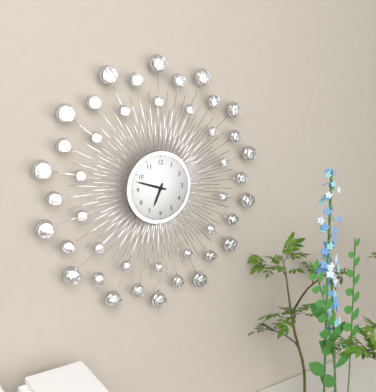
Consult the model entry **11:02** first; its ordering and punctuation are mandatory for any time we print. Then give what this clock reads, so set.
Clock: **6:48**
